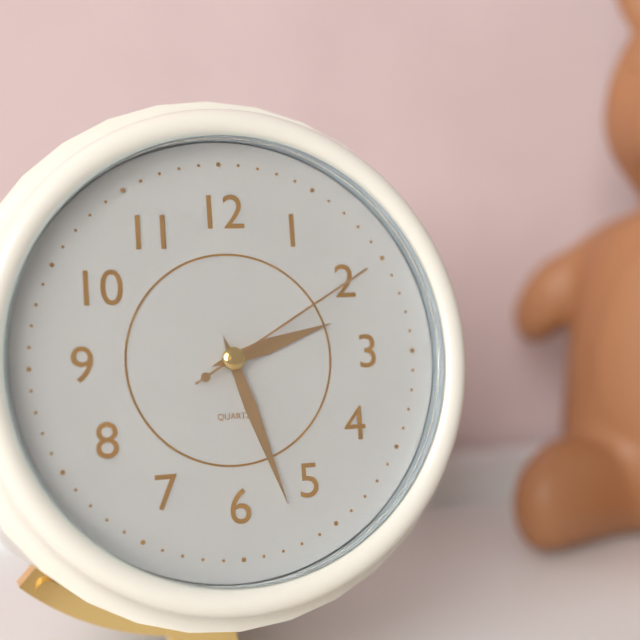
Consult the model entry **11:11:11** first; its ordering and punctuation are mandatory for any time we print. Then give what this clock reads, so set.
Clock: **2:27:10**
